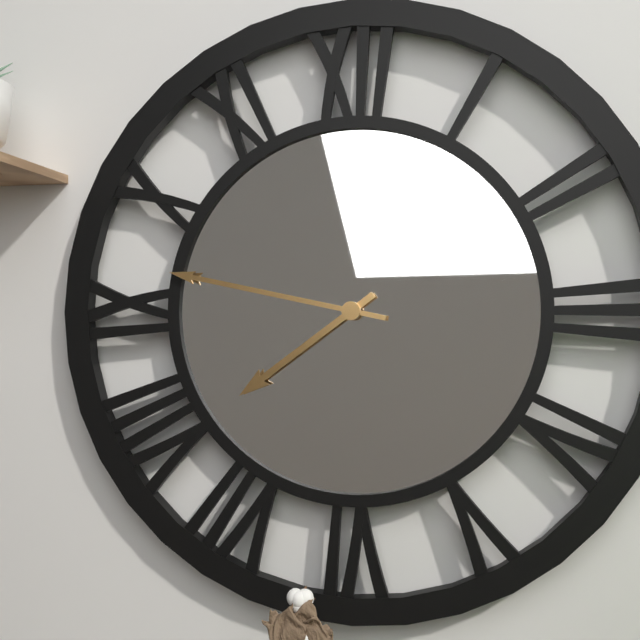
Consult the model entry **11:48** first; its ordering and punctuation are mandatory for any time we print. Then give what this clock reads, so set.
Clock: **7:47**
